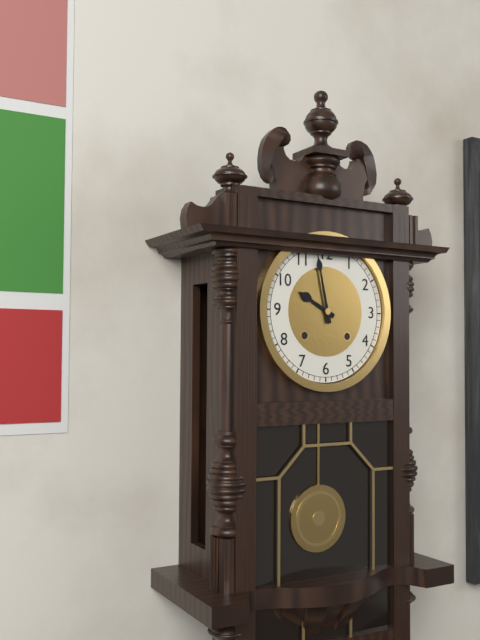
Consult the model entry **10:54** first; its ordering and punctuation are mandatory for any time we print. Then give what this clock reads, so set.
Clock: **9:58**
